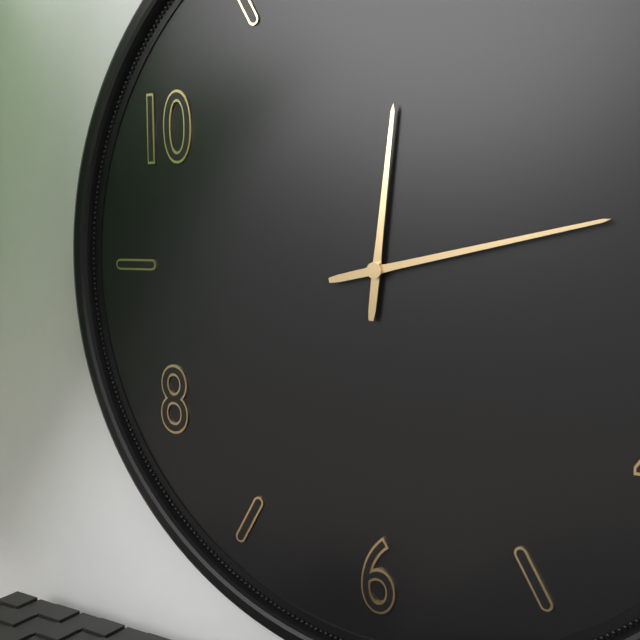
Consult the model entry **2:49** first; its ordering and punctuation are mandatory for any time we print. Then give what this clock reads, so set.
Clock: **12:13**
